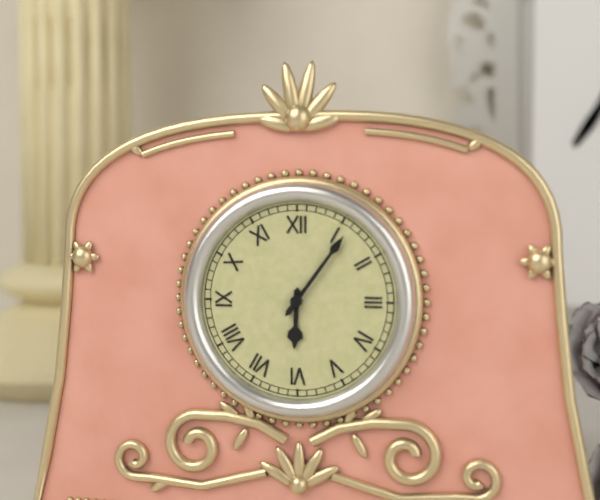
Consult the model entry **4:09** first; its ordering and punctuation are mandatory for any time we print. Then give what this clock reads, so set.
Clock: **6:06**
